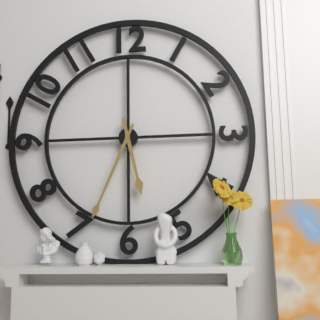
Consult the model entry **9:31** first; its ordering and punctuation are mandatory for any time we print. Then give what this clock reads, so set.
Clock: **5:34**
